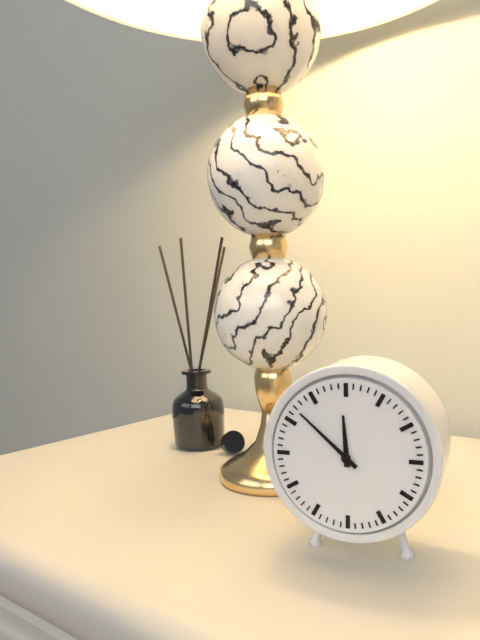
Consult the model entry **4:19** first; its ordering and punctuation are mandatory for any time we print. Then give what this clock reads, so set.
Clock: **11:52**
